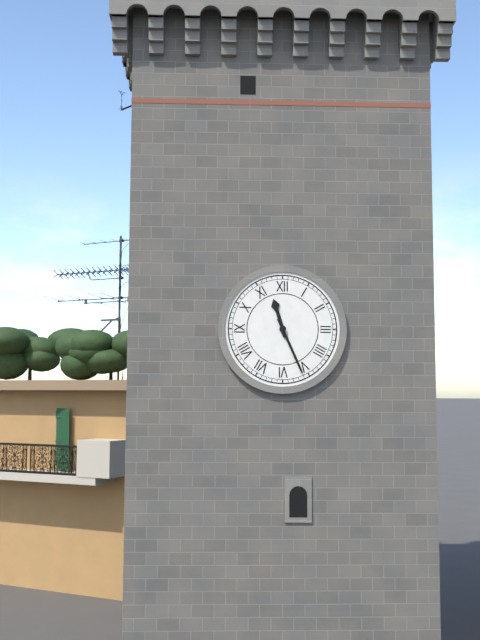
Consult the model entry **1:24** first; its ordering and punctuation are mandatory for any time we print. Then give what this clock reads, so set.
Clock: **11:26**
